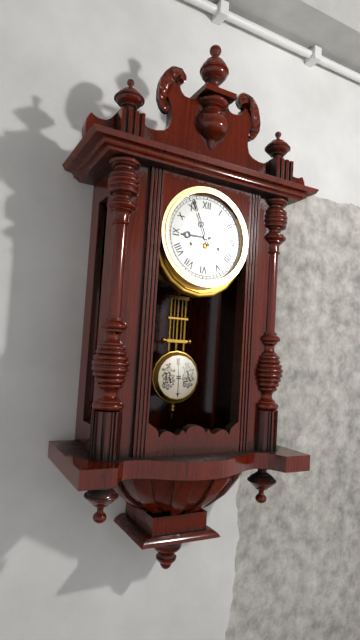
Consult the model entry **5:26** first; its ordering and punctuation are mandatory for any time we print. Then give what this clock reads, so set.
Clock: **8:56**
